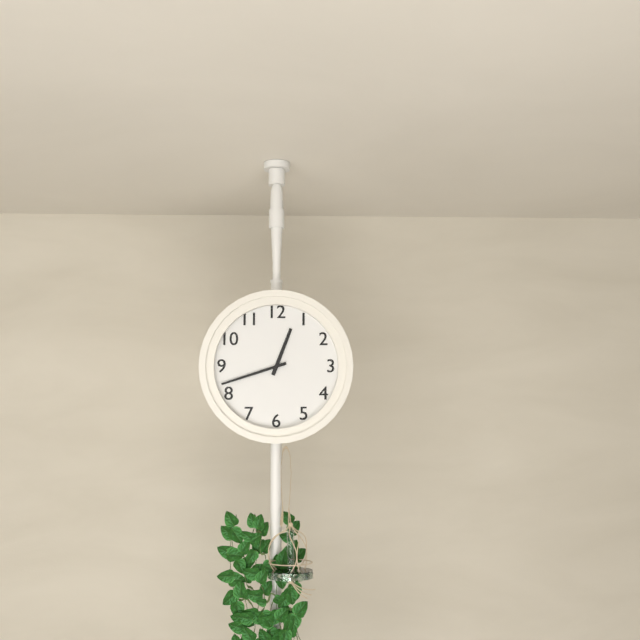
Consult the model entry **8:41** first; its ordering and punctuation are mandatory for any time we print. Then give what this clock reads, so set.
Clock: **12:42**
